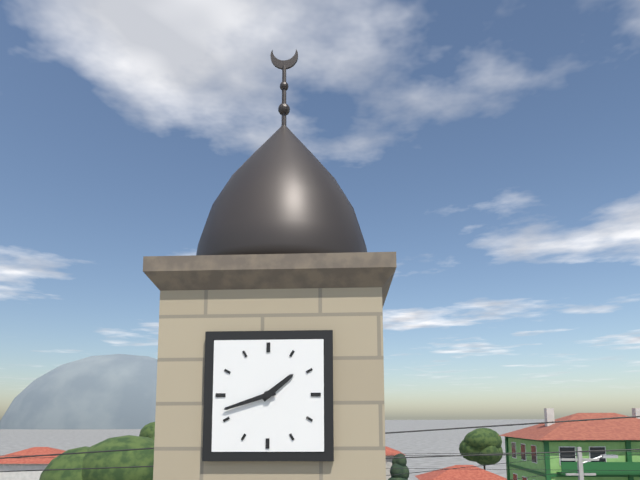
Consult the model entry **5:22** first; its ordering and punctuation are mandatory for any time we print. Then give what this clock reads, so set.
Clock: **1:42**
